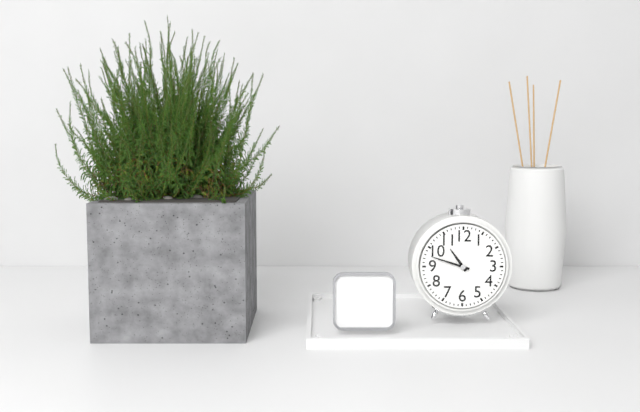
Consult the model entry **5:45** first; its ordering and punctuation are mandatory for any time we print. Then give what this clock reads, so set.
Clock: **10:48**
